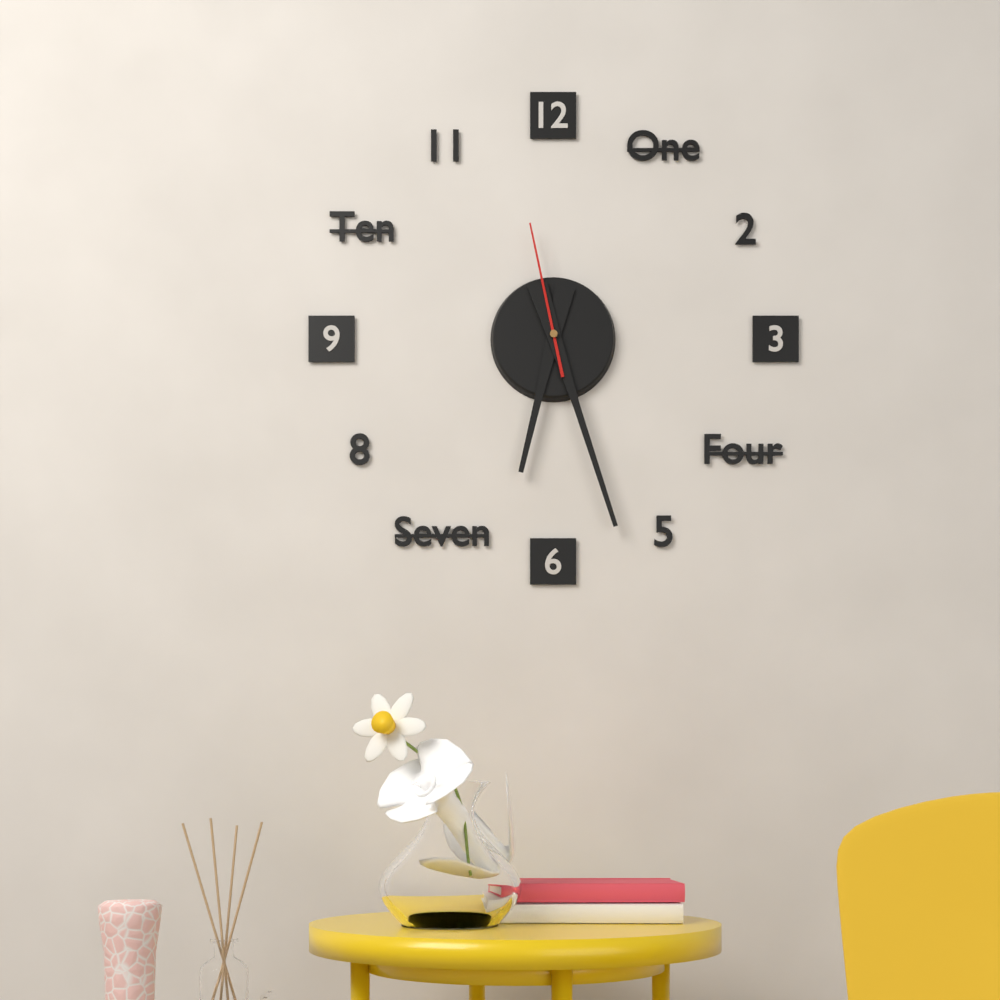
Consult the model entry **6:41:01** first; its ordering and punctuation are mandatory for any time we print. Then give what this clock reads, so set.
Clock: **6:27:58**
